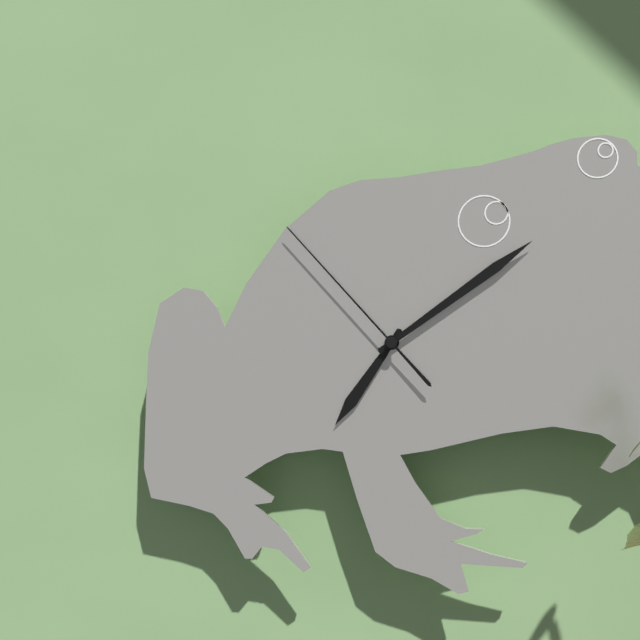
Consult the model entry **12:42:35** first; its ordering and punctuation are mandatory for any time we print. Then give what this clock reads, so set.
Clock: **7:09:53**
